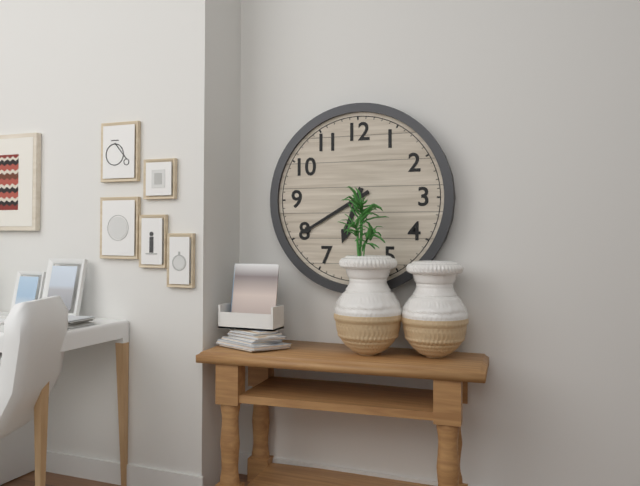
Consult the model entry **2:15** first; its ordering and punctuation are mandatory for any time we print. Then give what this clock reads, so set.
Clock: **6:40**
